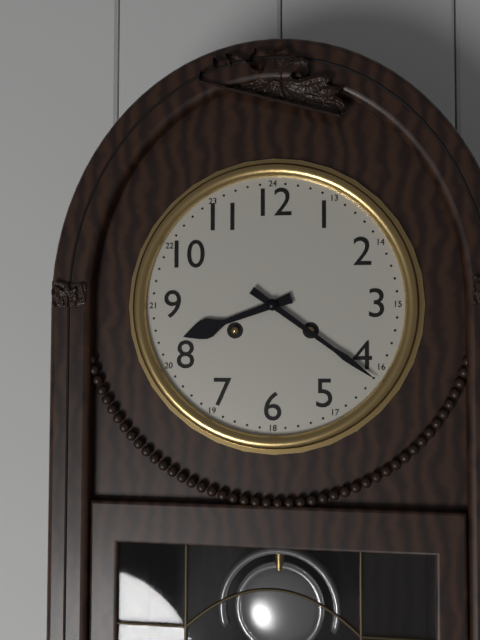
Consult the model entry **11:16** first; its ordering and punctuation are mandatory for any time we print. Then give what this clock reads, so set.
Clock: **8:21**
